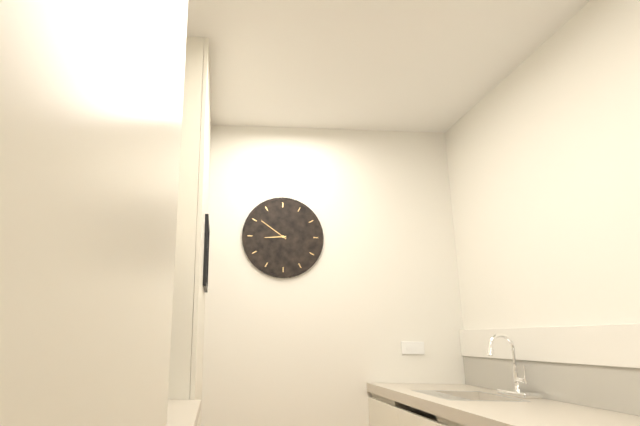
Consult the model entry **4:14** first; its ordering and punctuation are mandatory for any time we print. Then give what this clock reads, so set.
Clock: **8:51**
